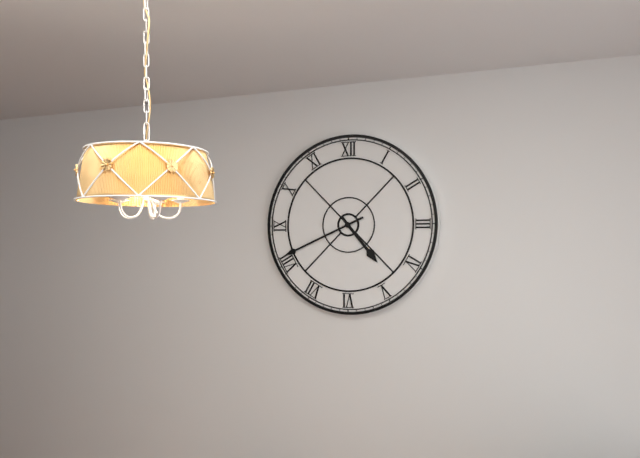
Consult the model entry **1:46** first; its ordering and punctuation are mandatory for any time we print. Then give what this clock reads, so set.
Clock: **4:41**
